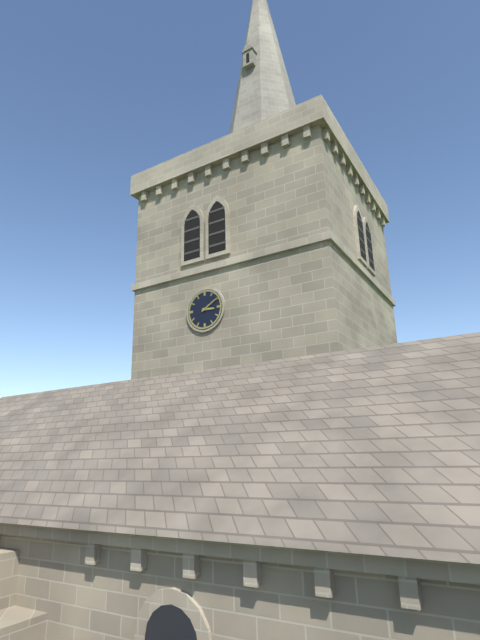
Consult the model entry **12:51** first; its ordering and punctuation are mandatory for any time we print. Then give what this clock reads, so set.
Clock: **3:10**
